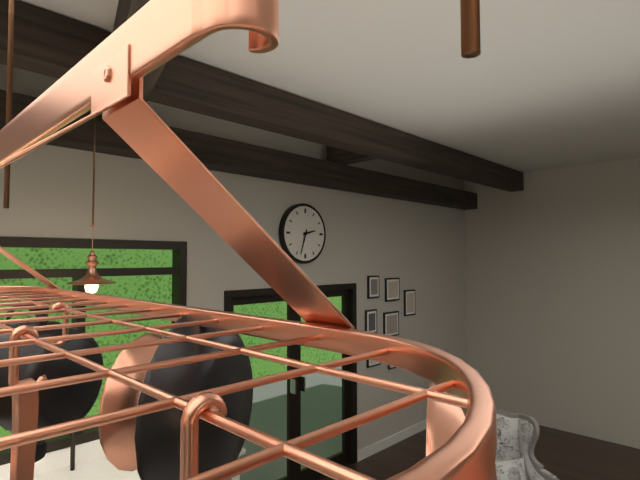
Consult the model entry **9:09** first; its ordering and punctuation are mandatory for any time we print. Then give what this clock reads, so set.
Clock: **2:33**
